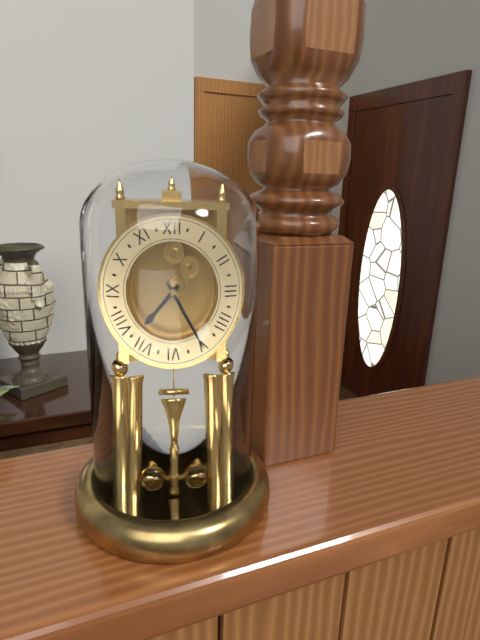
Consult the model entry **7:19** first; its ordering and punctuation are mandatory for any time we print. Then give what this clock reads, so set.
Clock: **7:25**
